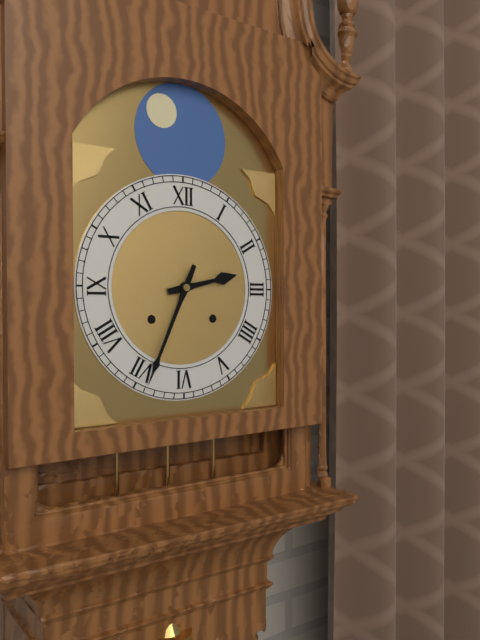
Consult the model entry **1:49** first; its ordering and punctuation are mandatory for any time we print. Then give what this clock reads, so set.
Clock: **2:34**
